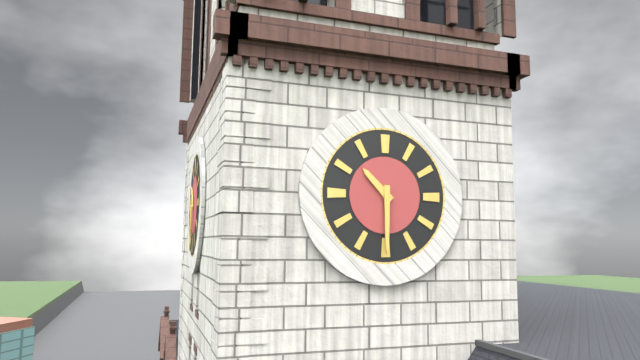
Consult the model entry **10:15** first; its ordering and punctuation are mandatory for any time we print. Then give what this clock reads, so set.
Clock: **10:30**
